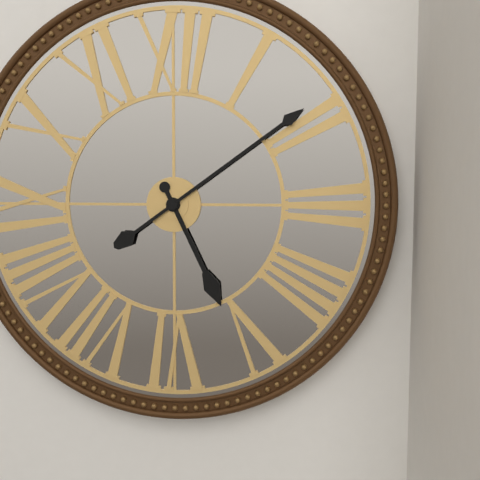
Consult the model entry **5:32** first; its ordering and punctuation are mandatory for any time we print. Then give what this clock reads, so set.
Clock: **5:09**
